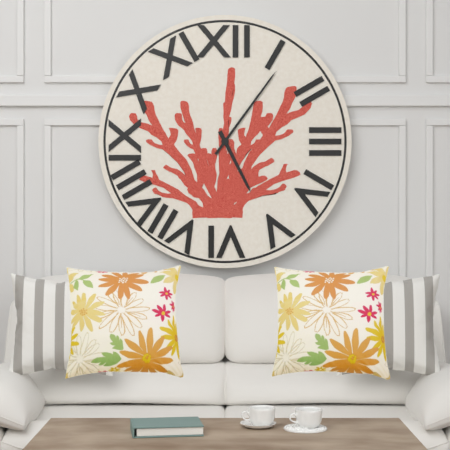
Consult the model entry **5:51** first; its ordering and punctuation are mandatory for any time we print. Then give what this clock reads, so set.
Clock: **5:06**
